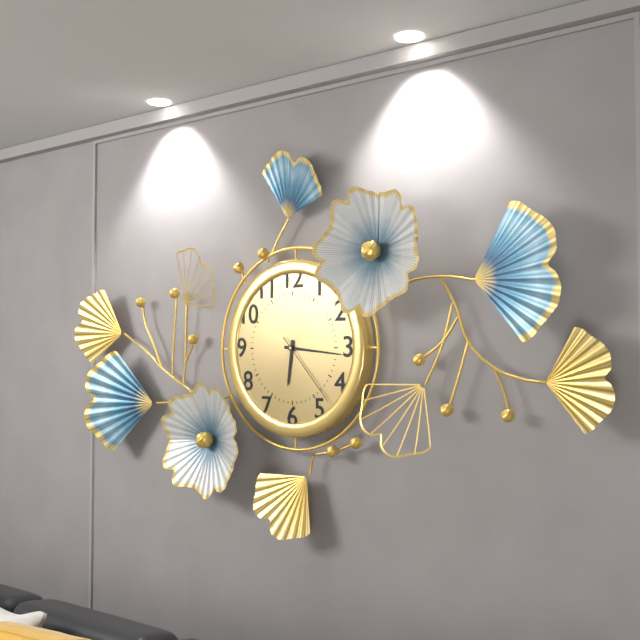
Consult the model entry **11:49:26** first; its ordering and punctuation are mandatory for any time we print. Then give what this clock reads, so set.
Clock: **6:16:23**
